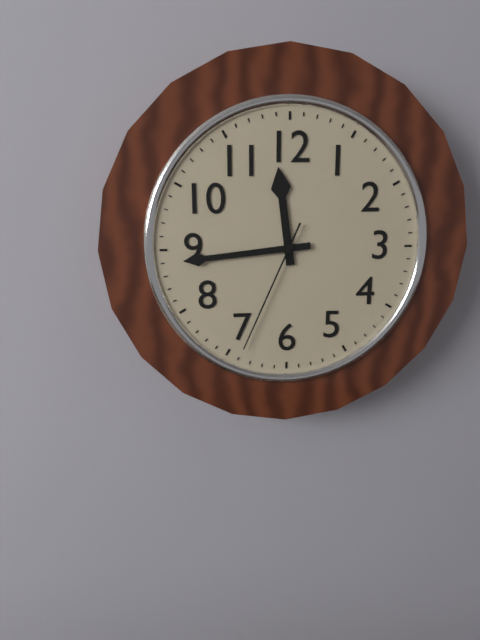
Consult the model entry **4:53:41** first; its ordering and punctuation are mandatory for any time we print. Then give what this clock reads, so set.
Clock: **11:44:34**
